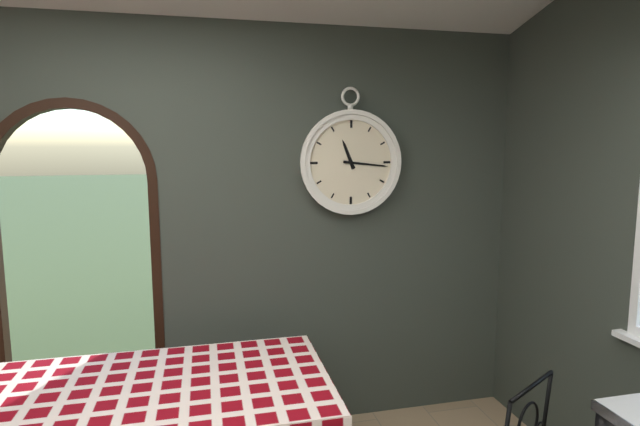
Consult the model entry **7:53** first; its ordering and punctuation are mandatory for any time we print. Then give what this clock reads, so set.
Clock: **11:16**
